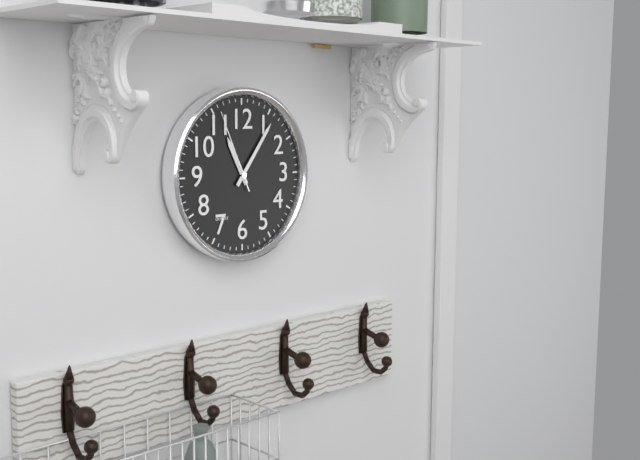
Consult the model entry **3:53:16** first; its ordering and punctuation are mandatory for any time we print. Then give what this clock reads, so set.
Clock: **11:06:56**
